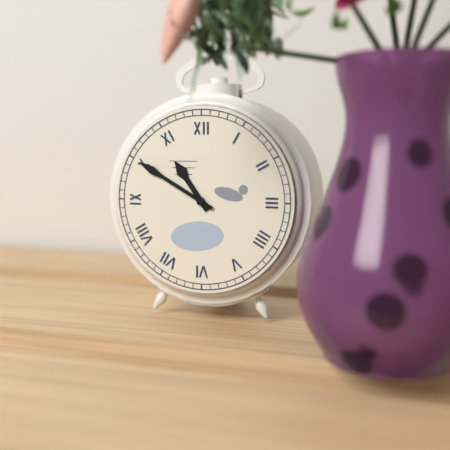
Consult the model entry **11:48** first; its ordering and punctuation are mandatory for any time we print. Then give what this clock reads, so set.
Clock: **10:50**
